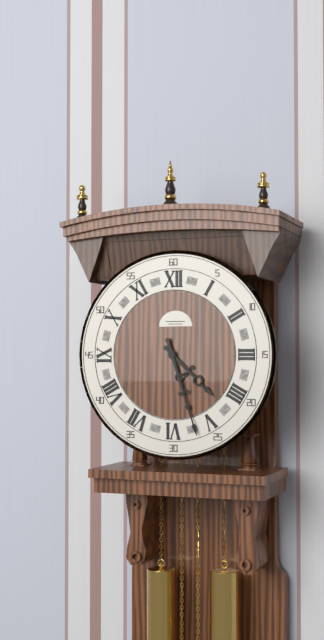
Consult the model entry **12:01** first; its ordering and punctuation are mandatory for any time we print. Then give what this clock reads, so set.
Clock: **4:27**
